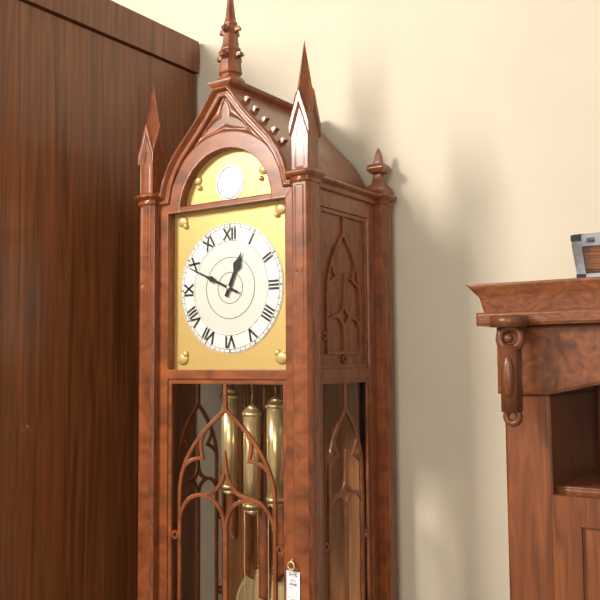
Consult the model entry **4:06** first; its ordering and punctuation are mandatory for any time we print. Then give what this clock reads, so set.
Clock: **12:49**
